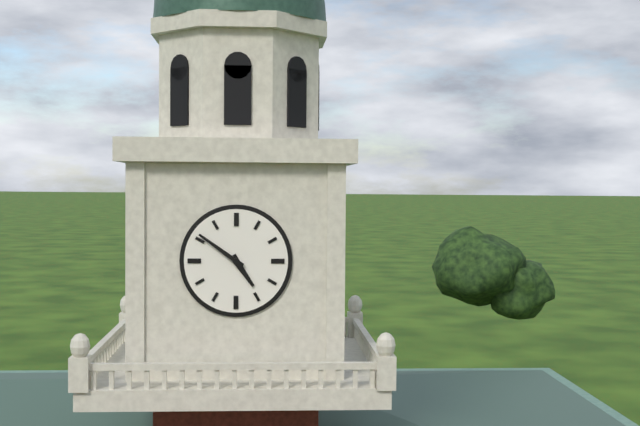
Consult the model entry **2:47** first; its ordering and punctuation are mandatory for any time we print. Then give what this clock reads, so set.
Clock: **4:51**
